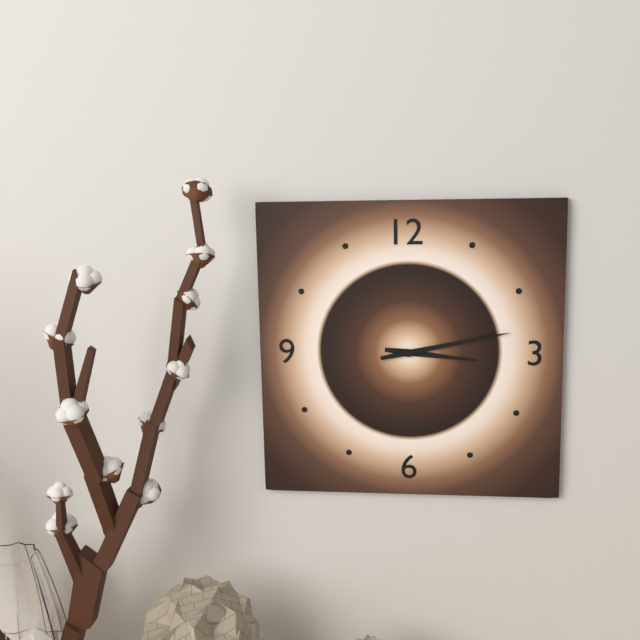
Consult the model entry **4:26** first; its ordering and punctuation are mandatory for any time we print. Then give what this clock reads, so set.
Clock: **3:13**
